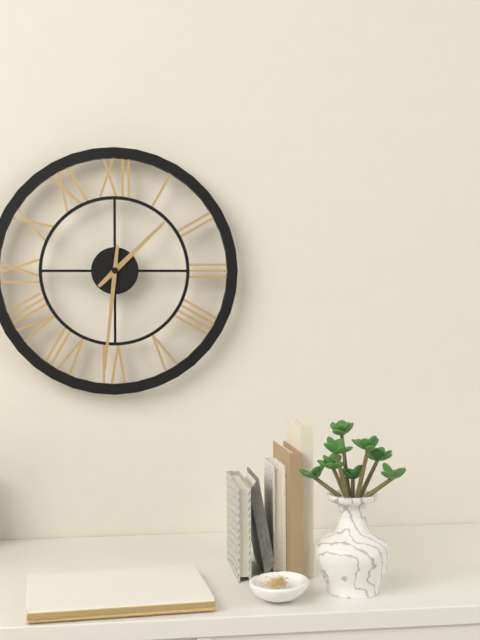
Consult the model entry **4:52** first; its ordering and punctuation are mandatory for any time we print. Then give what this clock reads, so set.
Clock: **1:31**
